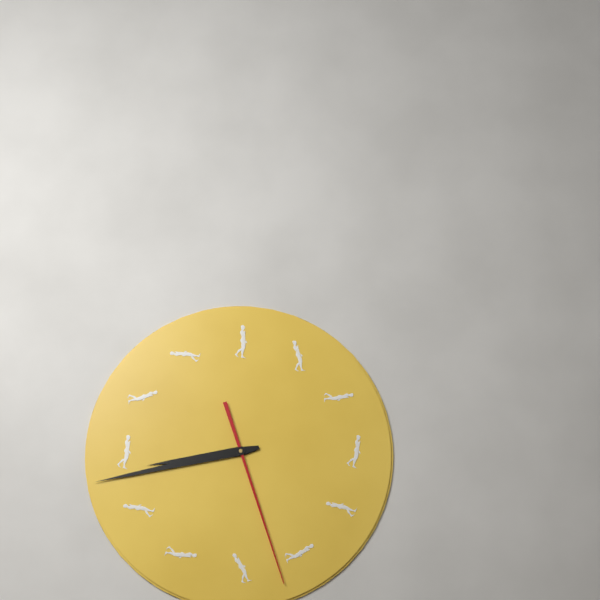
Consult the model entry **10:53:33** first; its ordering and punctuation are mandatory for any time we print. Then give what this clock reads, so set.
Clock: **8:43:27**
